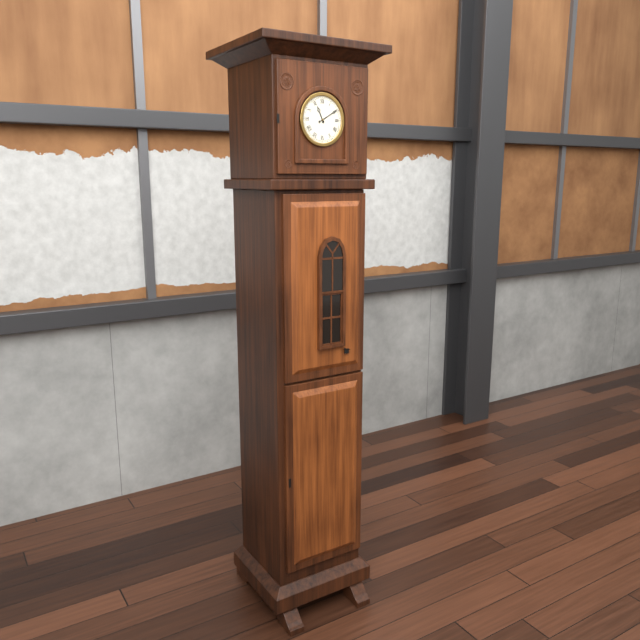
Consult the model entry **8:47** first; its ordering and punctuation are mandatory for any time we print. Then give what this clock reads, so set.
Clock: **11:10**
